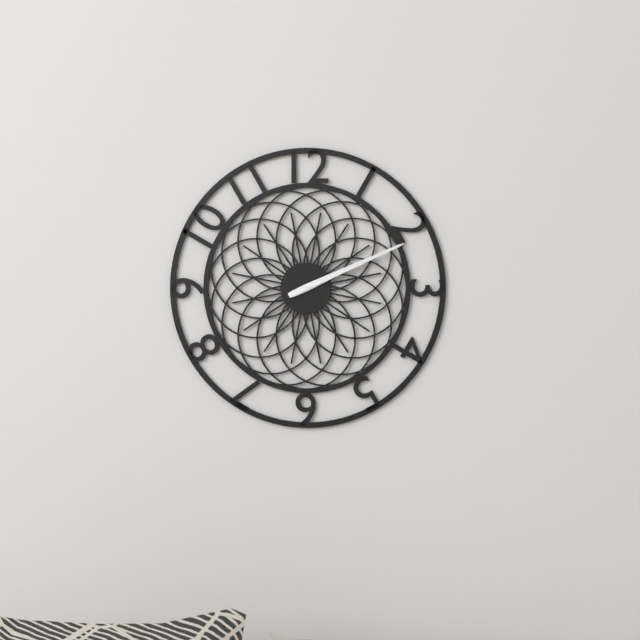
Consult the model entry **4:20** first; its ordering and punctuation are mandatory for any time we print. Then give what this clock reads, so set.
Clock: **2:11**
